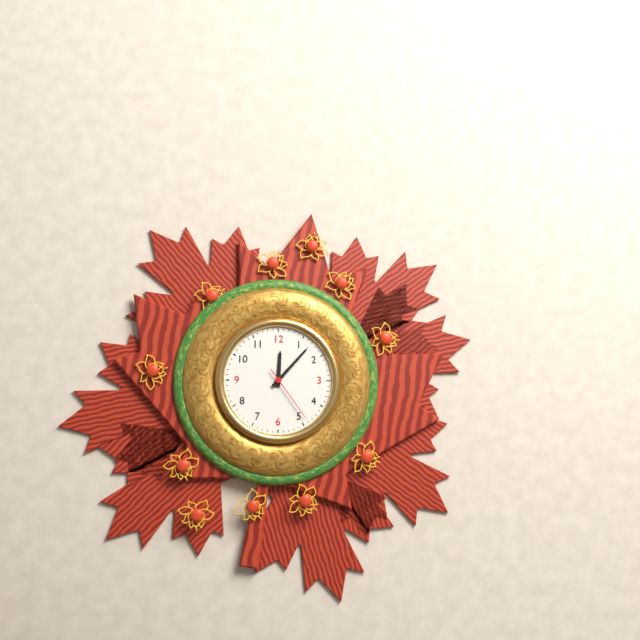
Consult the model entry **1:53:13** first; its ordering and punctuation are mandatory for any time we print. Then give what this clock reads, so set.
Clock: **12:07:24**
